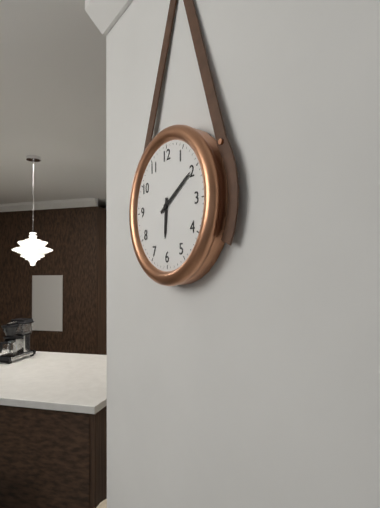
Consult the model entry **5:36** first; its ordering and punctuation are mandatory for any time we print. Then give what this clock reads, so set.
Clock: **6:10**
